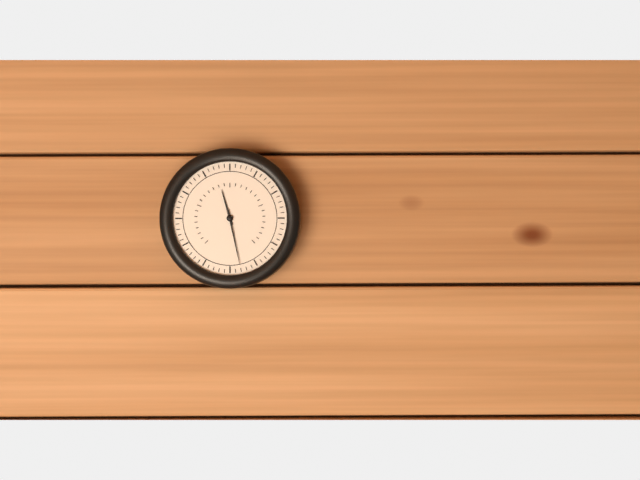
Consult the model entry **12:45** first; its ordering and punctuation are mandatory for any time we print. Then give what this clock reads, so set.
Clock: **11:28**
